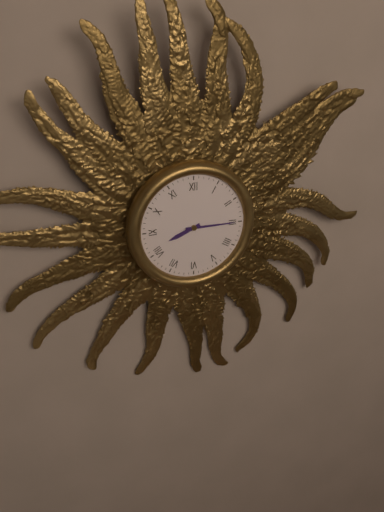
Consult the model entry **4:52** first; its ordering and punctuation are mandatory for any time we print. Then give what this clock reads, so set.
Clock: **8:15**
